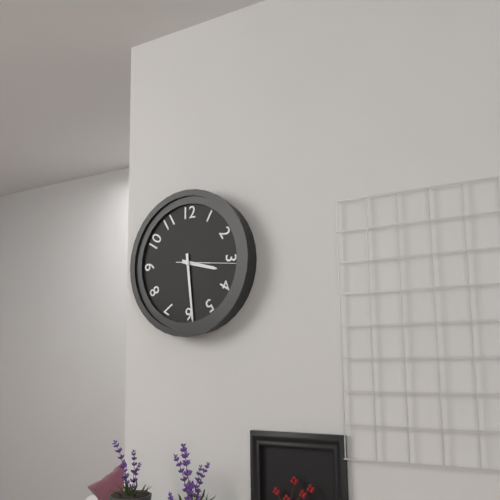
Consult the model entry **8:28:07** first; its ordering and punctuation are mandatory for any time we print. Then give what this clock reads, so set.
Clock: **3:29:16**
